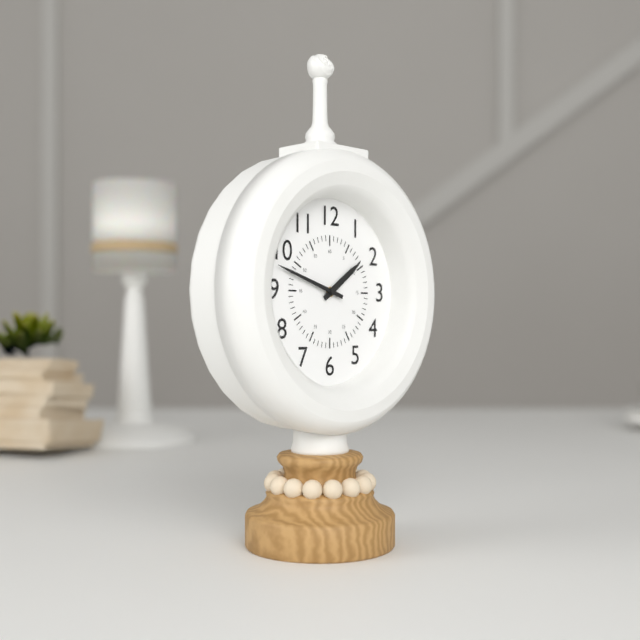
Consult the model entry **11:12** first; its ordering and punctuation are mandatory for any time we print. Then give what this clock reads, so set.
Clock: **1:48**
